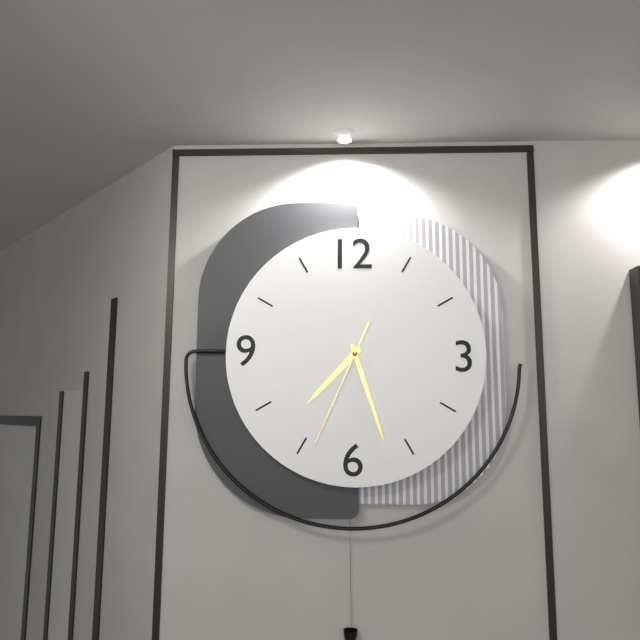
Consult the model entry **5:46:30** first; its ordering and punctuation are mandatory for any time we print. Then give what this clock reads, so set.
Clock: **7:27:34**
